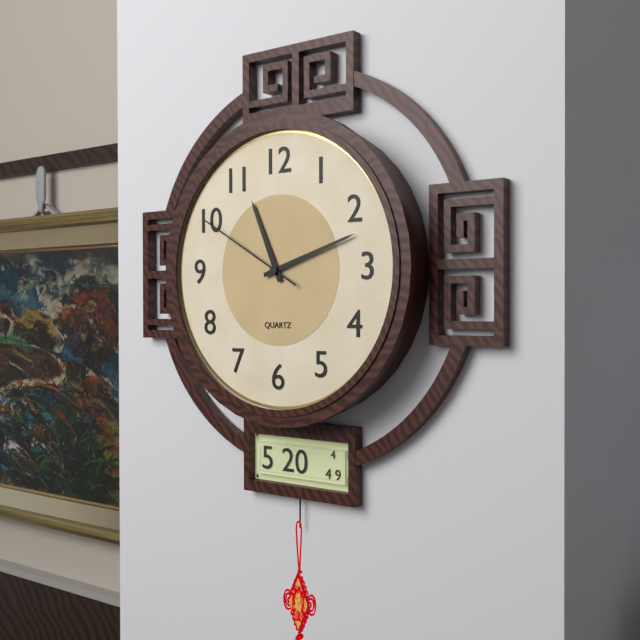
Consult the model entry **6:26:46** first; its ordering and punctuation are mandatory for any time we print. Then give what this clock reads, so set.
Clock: **11:12:50**
